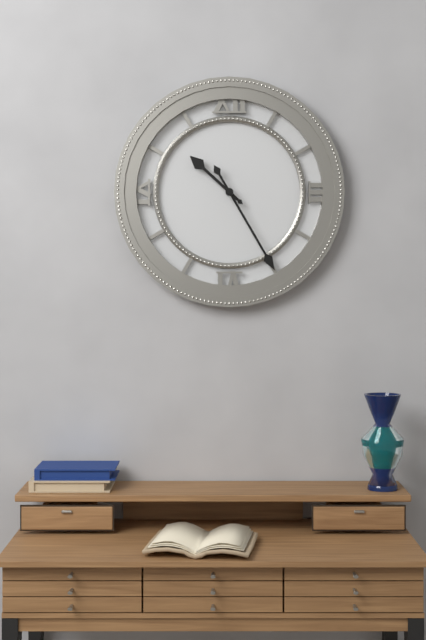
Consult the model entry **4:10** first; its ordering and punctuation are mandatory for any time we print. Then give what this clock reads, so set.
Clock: **10:25**
